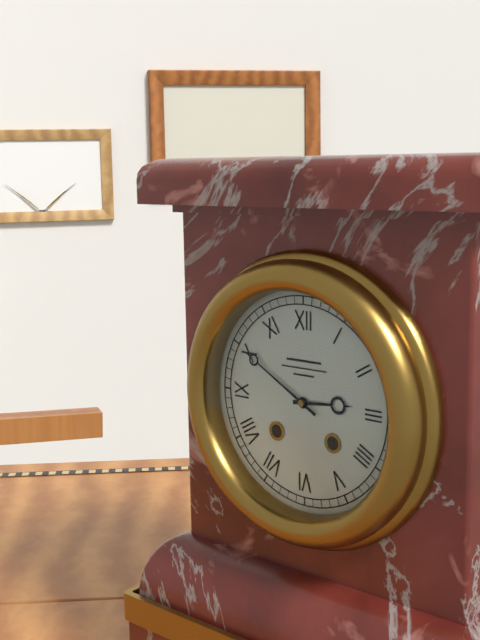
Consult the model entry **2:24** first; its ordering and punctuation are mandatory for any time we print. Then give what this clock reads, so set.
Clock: **2:50**
